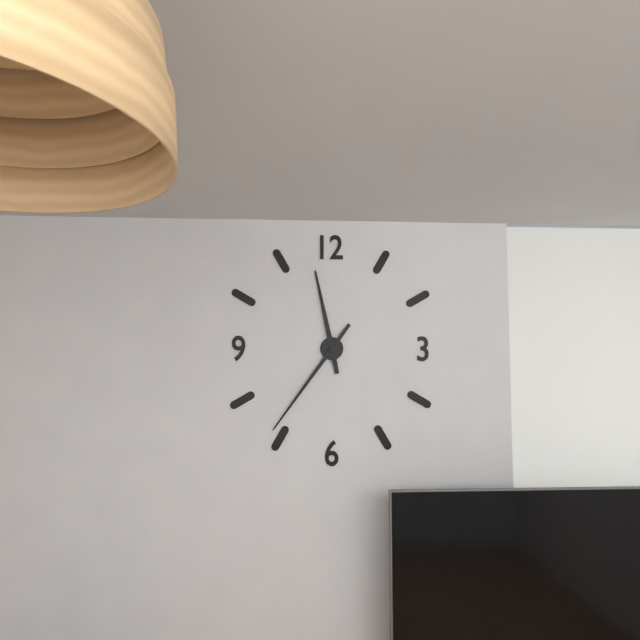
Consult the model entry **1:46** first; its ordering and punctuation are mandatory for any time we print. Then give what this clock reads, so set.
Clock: **11:36**
